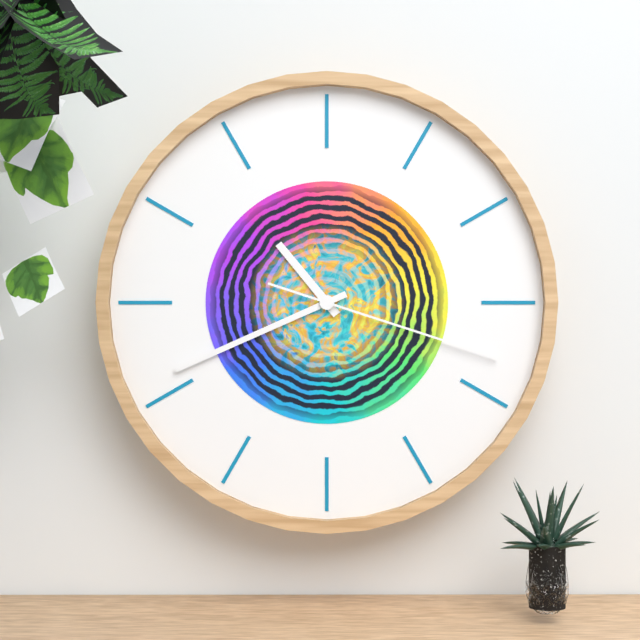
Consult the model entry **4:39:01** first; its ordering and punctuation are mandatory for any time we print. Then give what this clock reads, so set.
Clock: **10:41:18**
